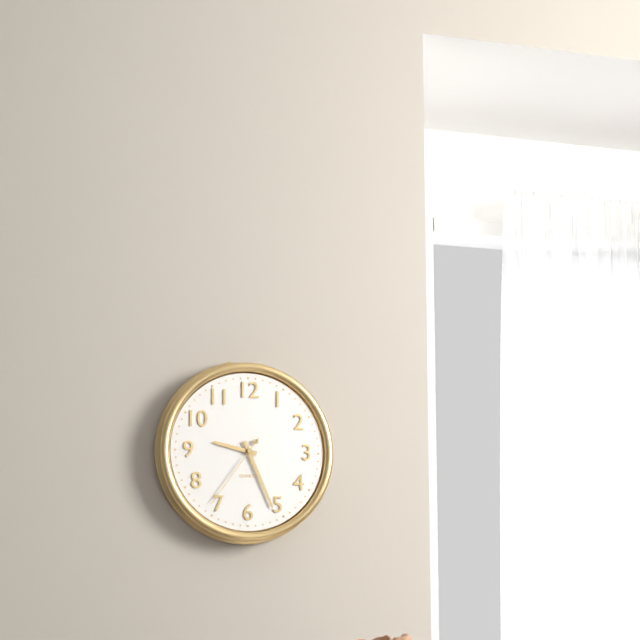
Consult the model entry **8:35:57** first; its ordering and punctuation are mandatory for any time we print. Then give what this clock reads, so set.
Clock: **9:26:36**
